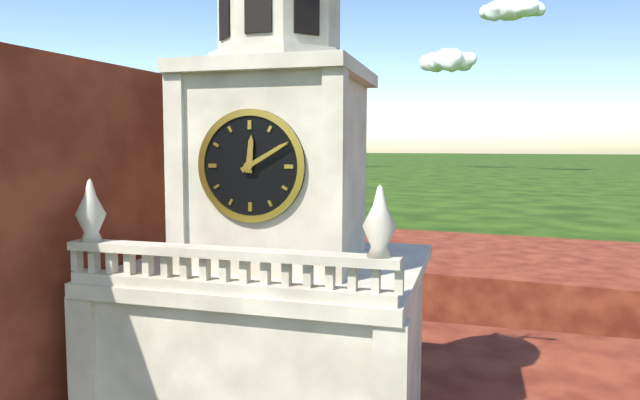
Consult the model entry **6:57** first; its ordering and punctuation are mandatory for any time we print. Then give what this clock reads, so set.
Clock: **12:10**
